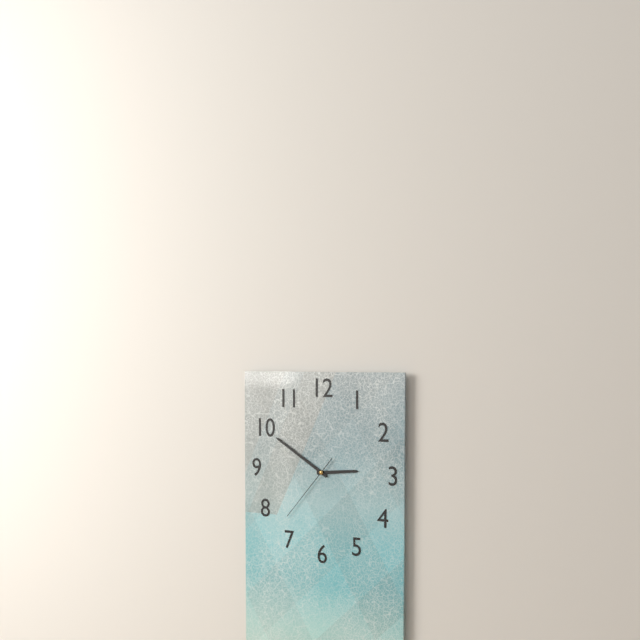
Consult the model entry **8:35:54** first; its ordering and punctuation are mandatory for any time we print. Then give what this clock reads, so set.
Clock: **2:50:37**
